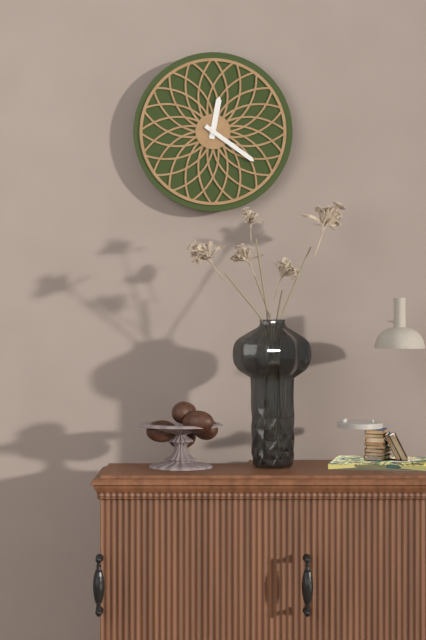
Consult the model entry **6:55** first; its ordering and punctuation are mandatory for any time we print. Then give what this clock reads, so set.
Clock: **12:21**
